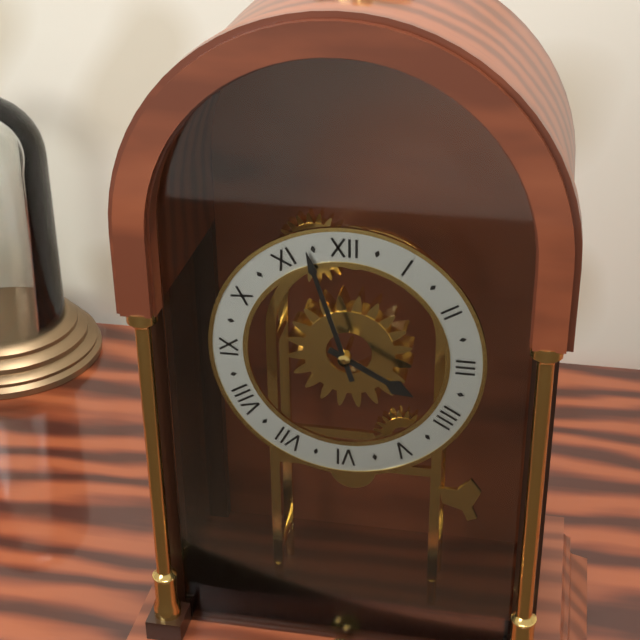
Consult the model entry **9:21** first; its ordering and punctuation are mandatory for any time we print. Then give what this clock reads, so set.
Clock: **3:57**
